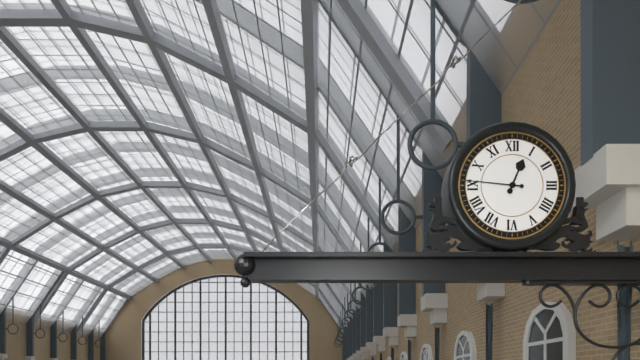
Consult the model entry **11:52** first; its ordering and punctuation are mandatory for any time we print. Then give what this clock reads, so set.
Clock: **12:46**
